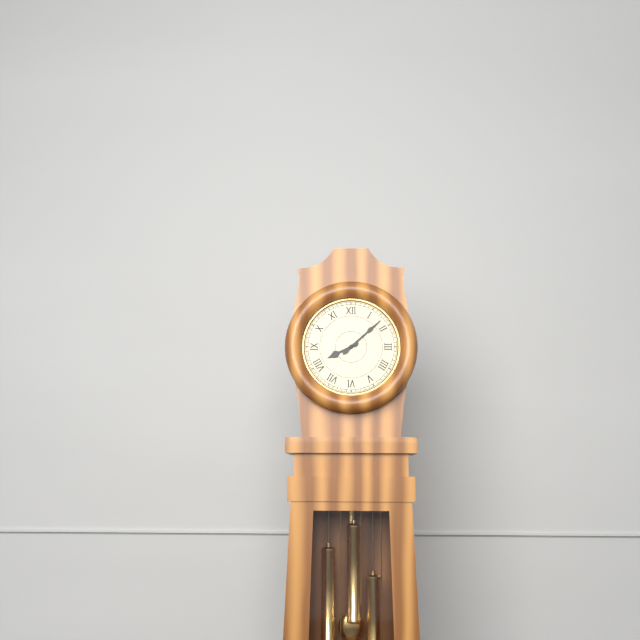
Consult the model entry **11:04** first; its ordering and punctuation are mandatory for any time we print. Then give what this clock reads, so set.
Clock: **8:08**
